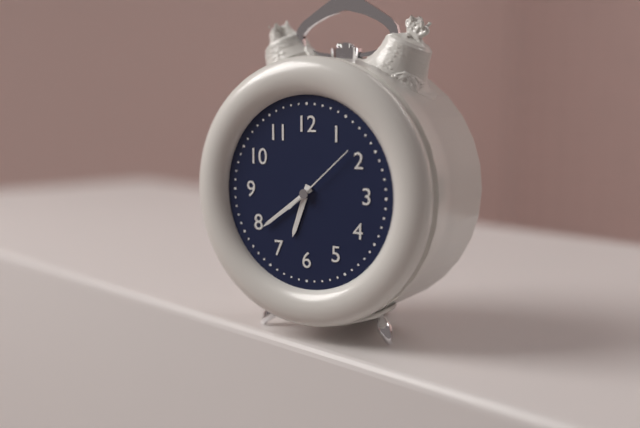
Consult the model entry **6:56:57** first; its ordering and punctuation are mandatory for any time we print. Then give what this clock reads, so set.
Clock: **6:39:08**
